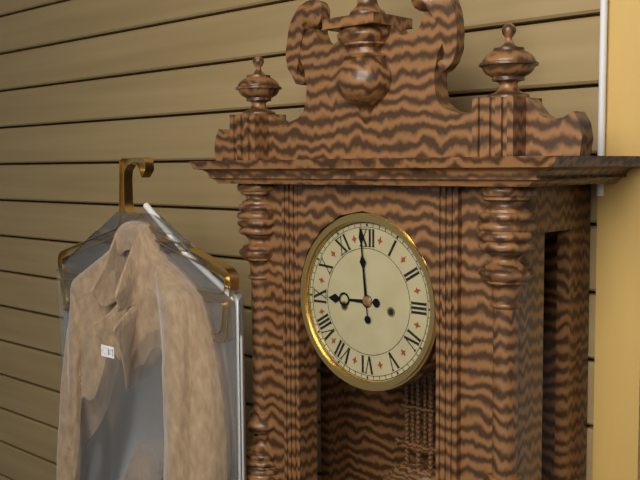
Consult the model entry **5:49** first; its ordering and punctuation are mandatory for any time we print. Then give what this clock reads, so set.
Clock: **8:59**
